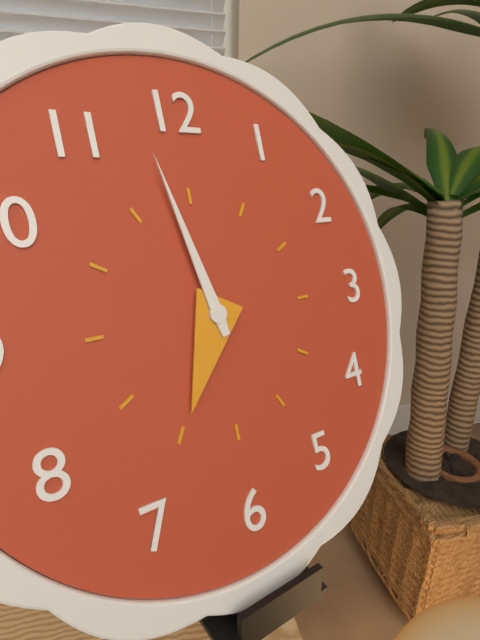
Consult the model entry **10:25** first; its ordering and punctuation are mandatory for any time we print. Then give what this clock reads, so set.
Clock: **6:58**
